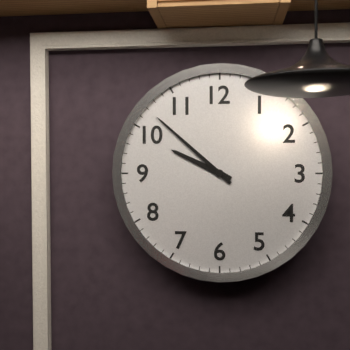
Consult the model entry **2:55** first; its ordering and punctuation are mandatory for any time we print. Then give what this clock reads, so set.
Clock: **9:52**
